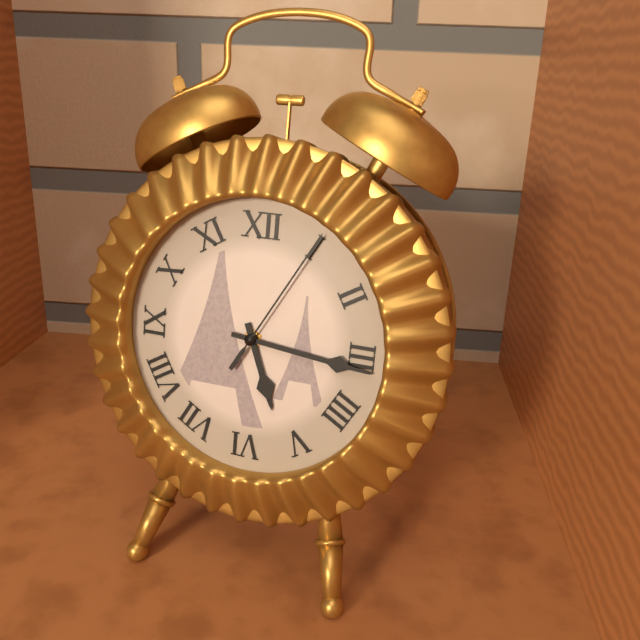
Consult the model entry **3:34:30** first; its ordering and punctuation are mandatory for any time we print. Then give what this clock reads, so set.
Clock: **5:16:05**
